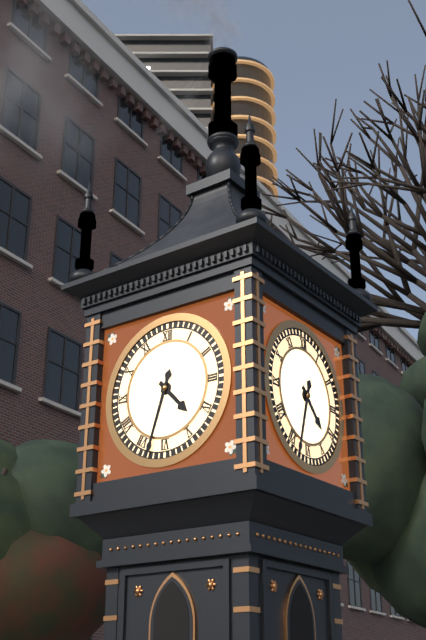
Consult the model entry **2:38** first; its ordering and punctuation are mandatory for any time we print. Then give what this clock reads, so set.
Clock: **4:33**
